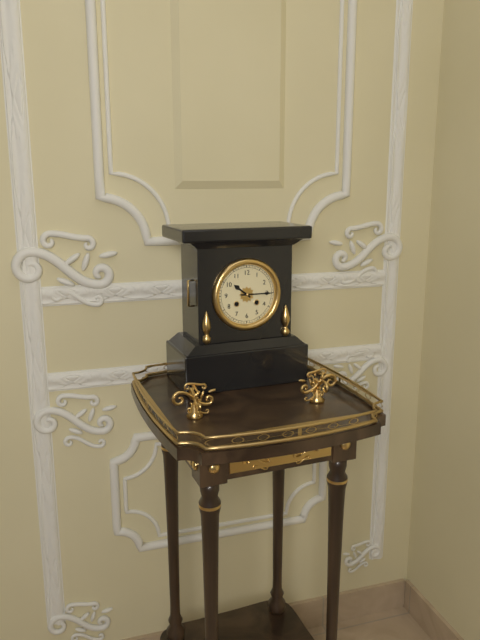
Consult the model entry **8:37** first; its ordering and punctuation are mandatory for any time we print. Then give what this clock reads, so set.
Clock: **10:15**
